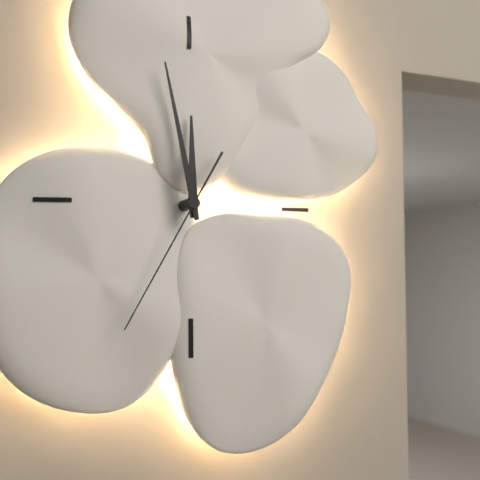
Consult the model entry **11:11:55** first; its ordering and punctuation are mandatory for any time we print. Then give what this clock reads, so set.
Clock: **11:58:35**
